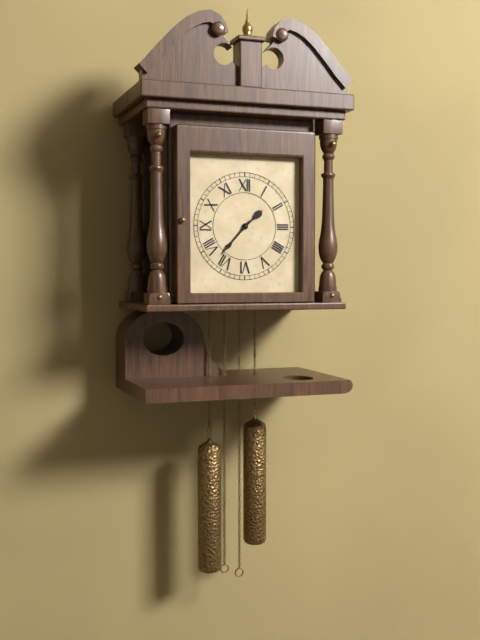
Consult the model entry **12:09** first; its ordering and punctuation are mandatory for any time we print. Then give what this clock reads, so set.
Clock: **1:37**
